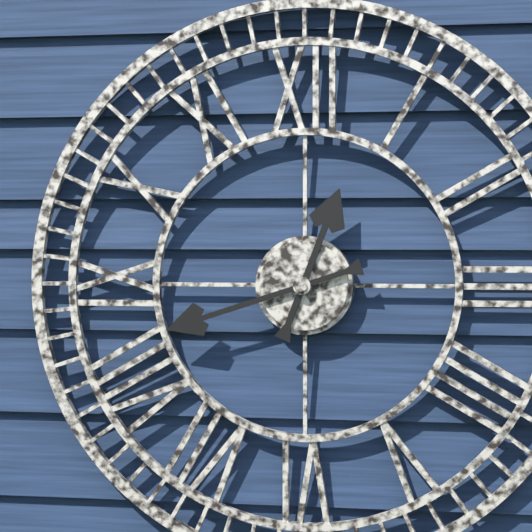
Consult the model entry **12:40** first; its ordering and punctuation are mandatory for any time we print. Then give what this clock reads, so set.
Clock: **12:42**
